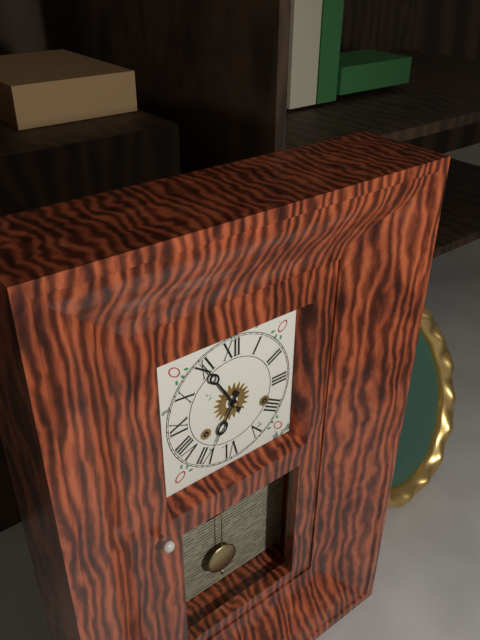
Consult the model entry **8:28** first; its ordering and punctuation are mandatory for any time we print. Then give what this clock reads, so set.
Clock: **6:55**
